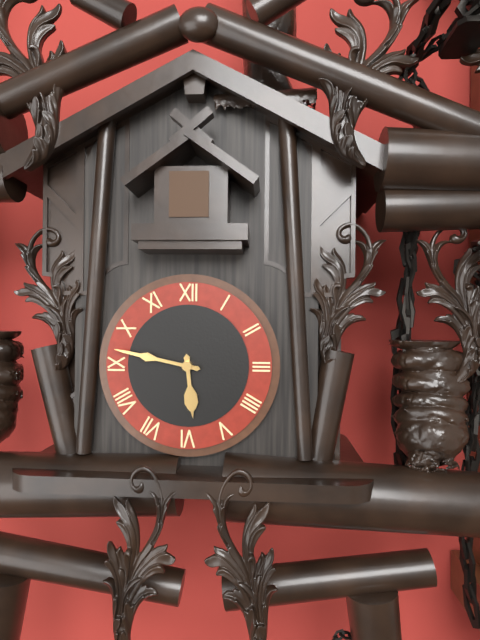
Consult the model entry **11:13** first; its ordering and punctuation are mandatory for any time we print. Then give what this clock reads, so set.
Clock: **5:47**
